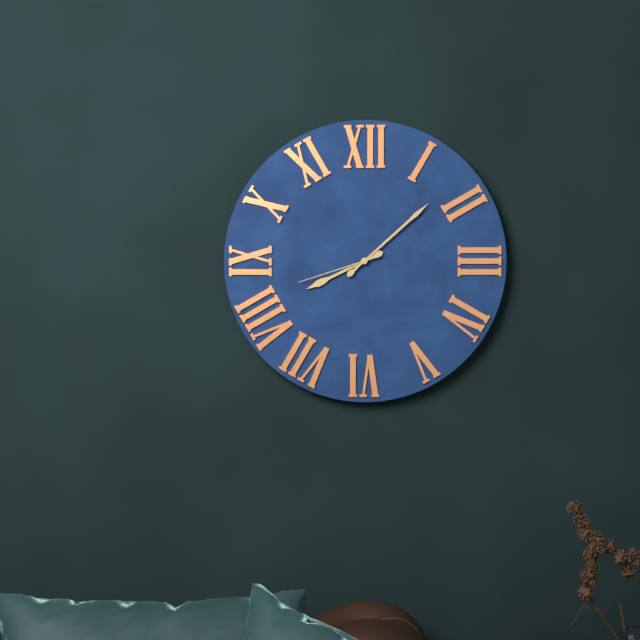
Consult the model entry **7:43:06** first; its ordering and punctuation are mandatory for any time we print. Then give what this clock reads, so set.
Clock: **8:08:42**
